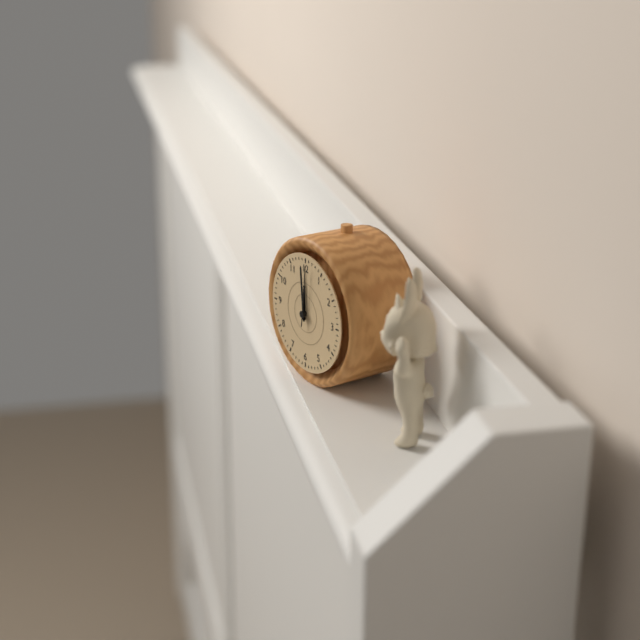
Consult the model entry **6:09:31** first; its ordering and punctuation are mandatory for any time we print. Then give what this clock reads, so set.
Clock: **11:59:01**
